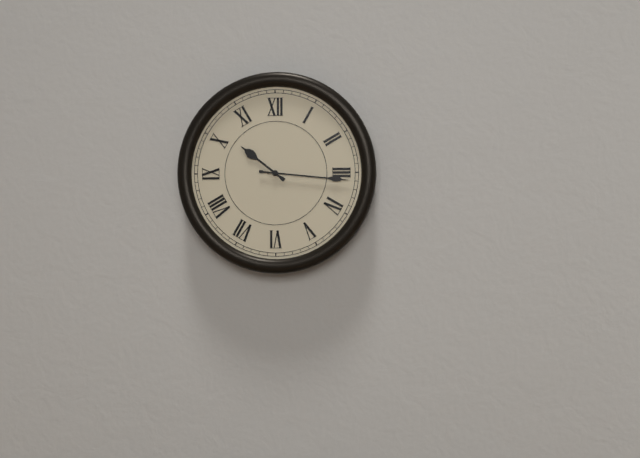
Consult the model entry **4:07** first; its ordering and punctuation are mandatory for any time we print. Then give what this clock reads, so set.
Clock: **10:16**
